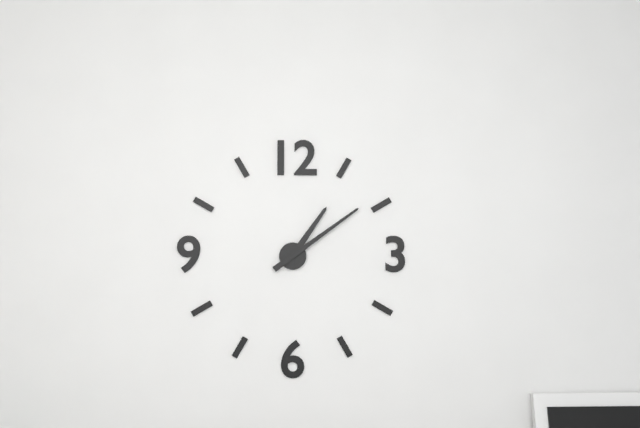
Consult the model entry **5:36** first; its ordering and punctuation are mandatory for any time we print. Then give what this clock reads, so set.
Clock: **1:09**
